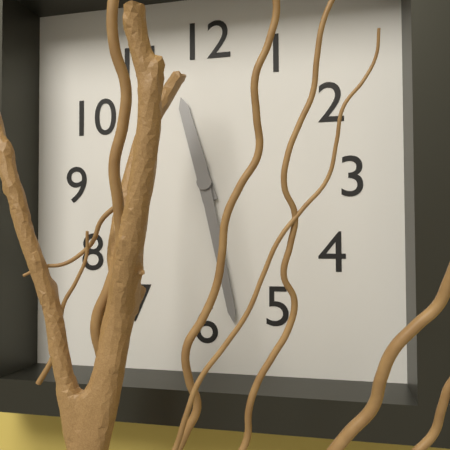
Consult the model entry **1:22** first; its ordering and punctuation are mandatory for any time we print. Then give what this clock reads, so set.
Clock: **11:28**
